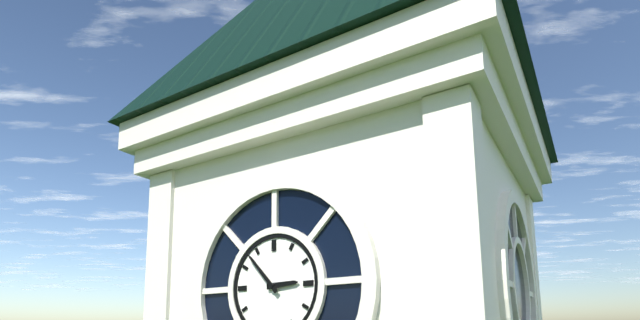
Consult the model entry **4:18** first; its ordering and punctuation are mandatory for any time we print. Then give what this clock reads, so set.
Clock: **2:53**
